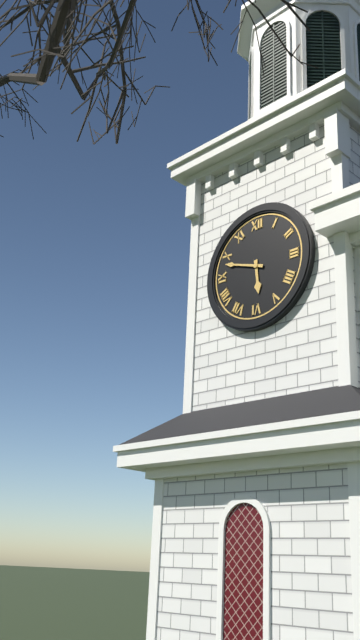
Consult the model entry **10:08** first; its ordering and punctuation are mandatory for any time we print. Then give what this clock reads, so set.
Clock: **5:48**
